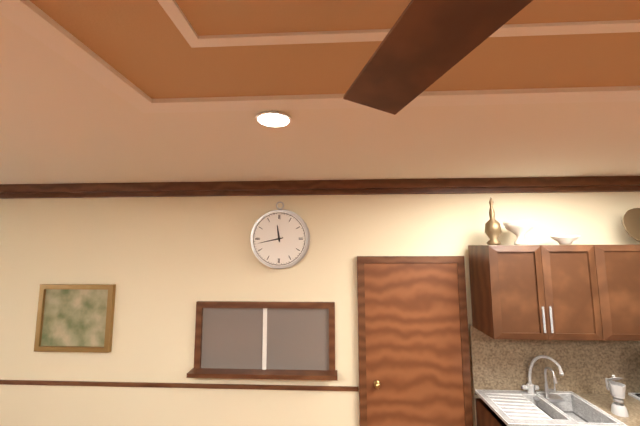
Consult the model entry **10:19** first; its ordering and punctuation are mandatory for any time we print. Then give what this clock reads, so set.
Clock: **11:43**
